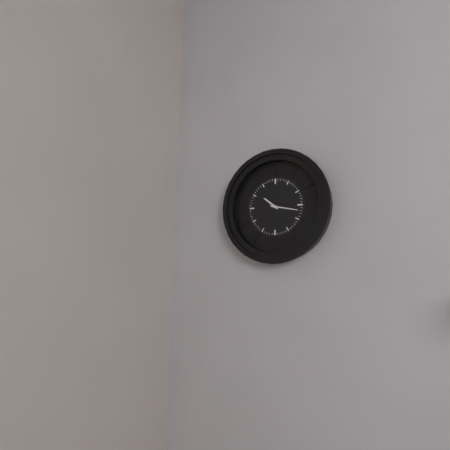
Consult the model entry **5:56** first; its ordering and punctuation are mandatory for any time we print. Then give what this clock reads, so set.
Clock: **10:17**
